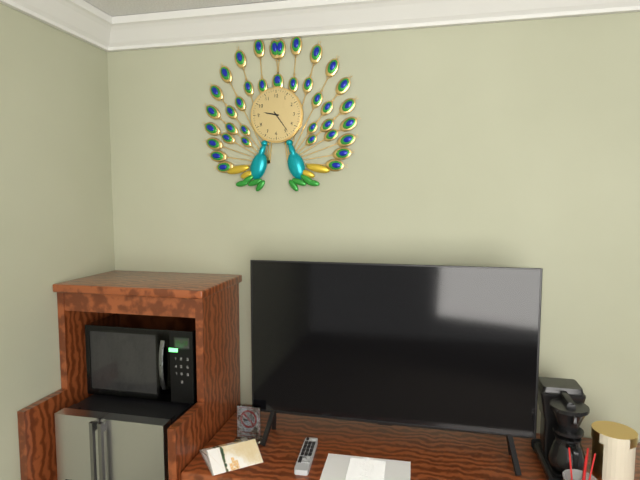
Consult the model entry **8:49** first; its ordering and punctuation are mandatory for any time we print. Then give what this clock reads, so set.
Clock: **9:24**
